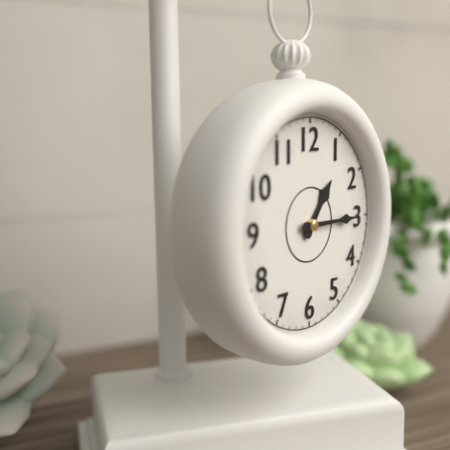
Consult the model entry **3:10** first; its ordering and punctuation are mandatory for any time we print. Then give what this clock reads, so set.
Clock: **1:15**
